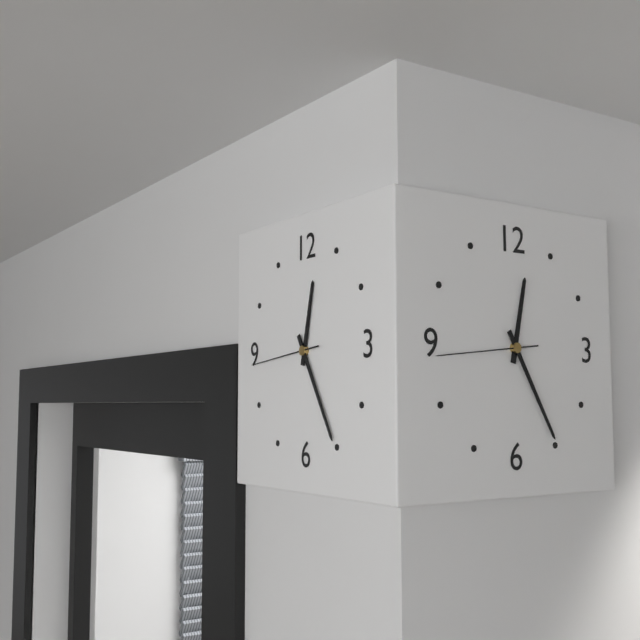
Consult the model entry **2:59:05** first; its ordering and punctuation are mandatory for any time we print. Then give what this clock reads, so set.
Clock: **12:25:44**
